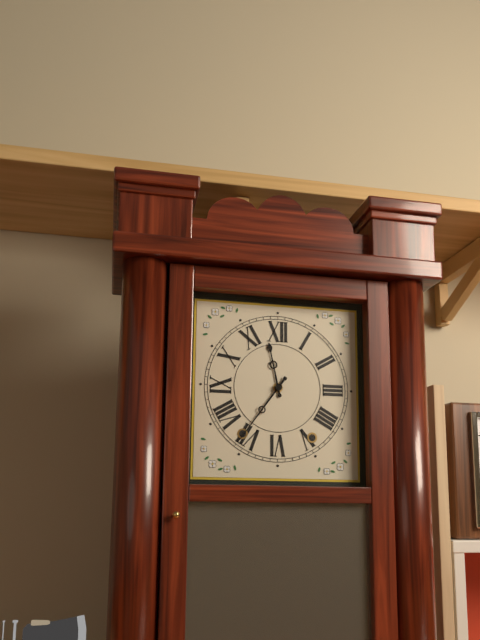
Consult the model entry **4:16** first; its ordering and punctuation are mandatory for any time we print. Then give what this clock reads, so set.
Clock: **11:36**
